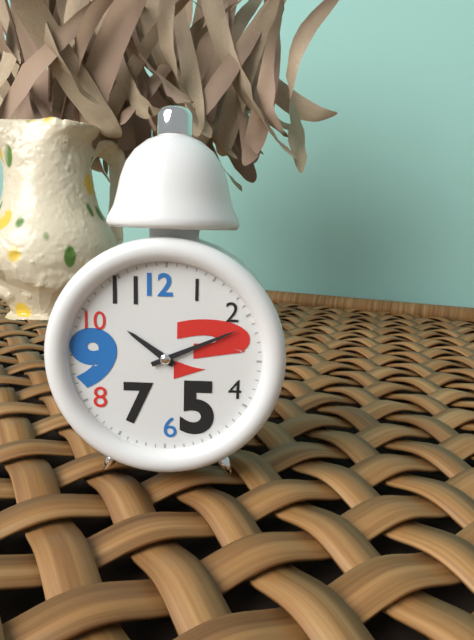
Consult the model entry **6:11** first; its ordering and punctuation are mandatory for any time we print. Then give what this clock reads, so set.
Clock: **10:11**
